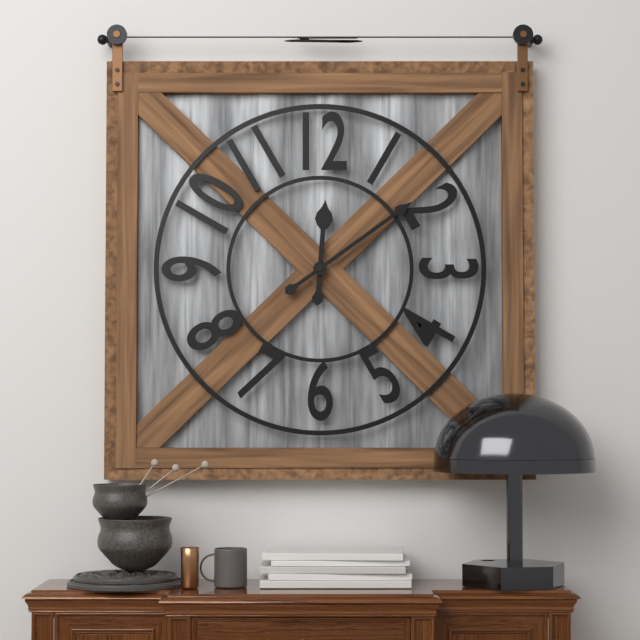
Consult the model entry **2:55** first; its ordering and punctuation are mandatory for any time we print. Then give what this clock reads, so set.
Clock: **12:09**
